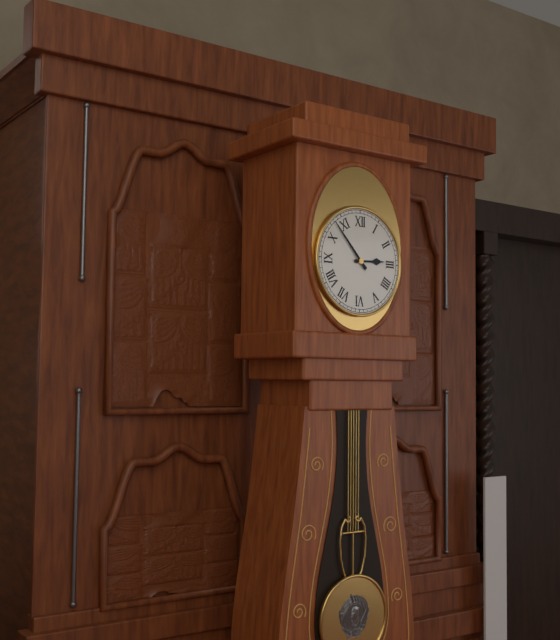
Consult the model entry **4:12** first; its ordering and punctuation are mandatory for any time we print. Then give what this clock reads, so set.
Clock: **2:53**
